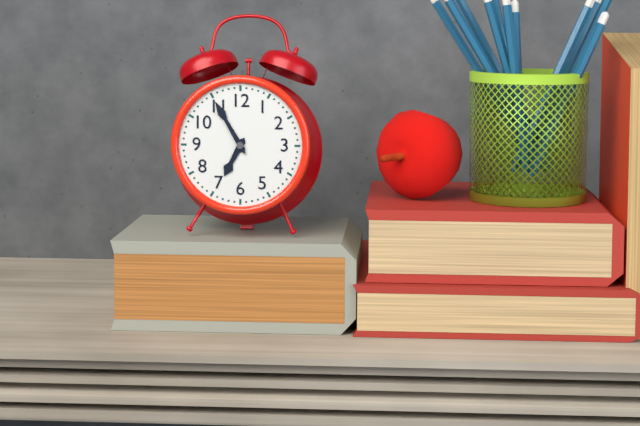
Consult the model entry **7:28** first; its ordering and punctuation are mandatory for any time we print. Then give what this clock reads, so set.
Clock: **6:55**
